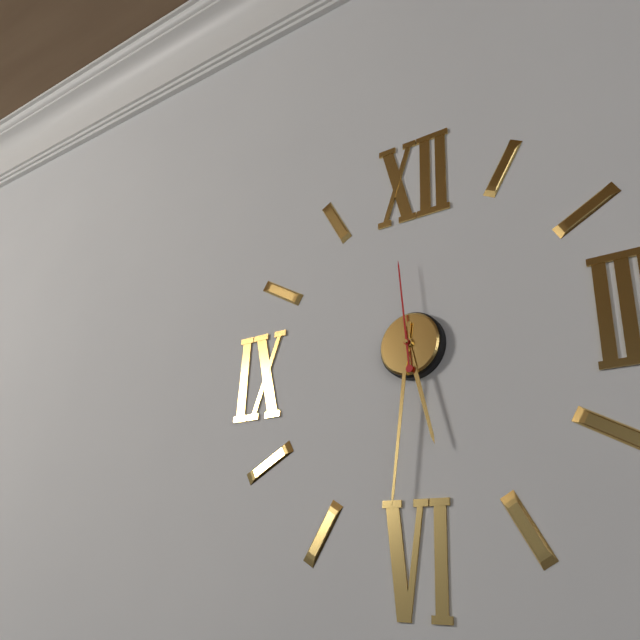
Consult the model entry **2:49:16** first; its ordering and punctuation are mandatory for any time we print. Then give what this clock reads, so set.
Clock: **5:31:59**
